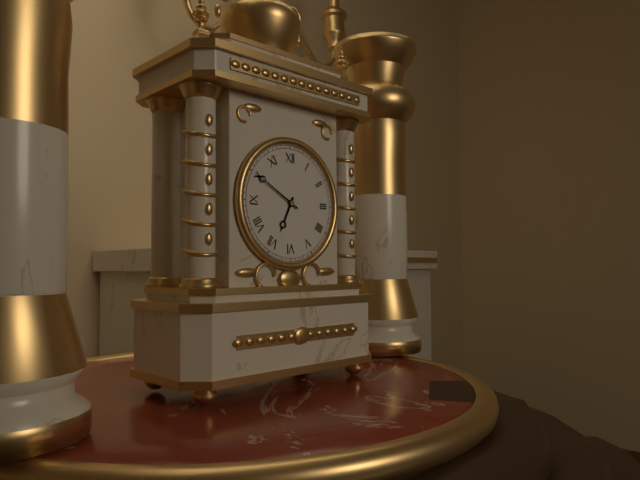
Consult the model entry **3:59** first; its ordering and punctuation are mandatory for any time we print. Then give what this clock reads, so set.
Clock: **6:50**
